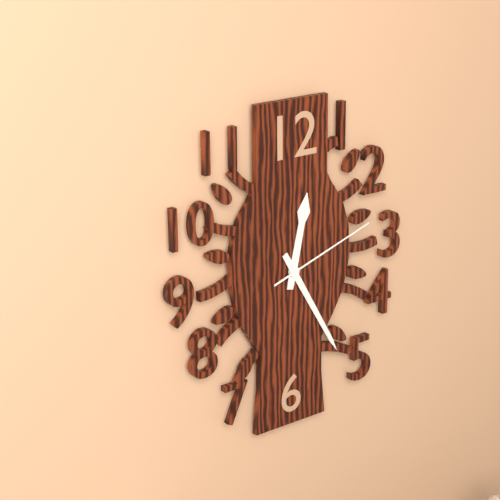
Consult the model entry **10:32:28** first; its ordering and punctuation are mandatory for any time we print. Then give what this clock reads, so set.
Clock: **12:25:12**
